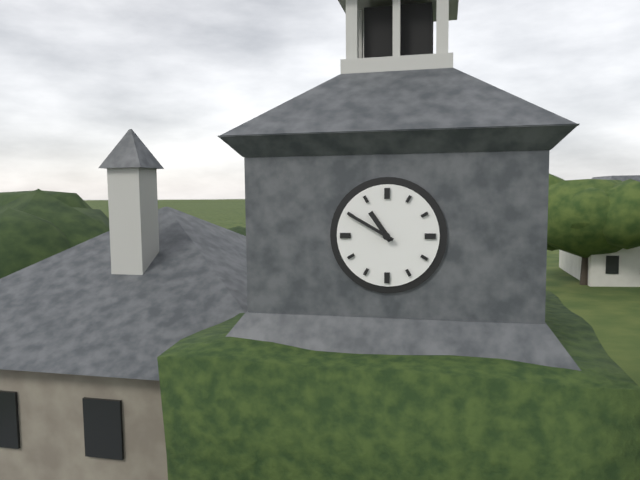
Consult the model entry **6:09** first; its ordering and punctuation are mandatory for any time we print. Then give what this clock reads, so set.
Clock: **10:50**
